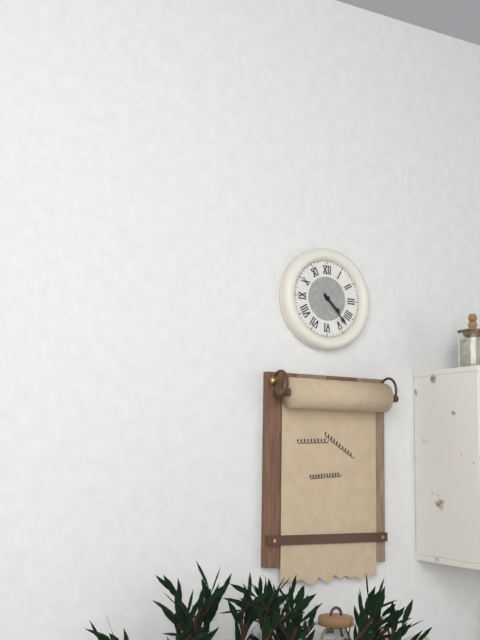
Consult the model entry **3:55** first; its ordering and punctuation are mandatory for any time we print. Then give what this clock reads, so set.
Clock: **4:23**
